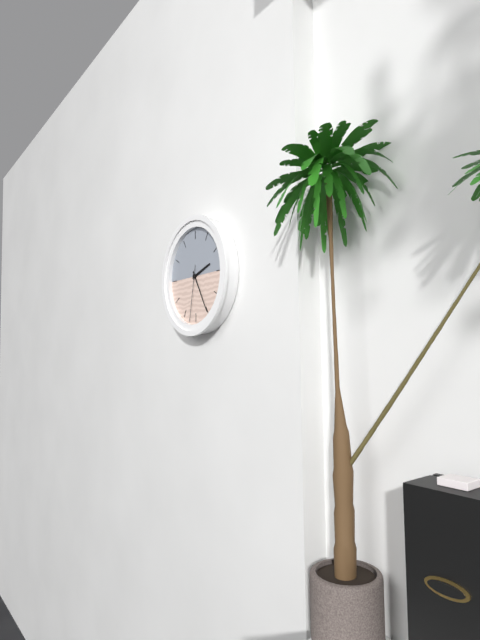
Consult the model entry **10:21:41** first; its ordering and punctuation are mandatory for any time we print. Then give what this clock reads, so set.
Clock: **2:25:32**
